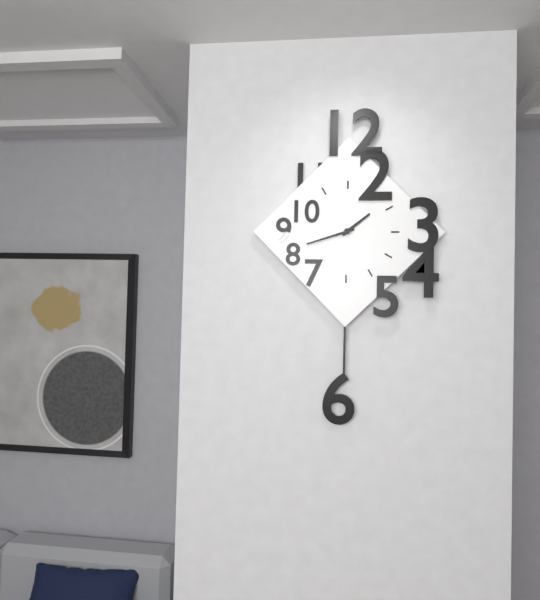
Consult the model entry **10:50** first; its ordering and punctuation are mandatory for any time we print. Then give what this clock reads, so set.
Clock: **1:42**
